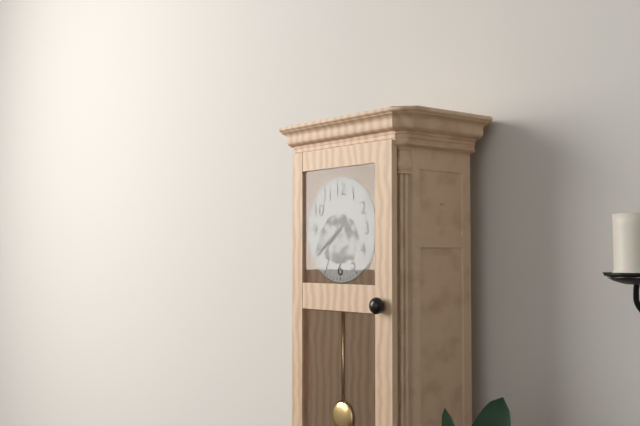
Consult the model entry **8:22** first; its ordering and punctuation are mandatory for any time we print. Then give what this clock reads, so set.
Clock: **7:39**
